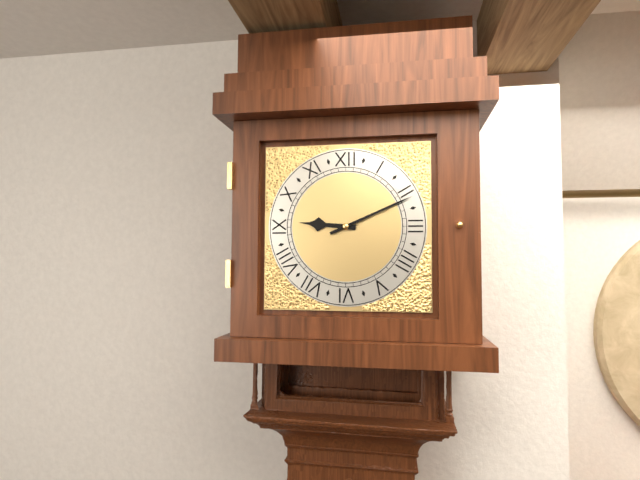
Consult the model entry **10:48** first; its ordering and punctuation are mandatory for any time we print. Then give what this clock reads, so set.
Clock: **9:11**
